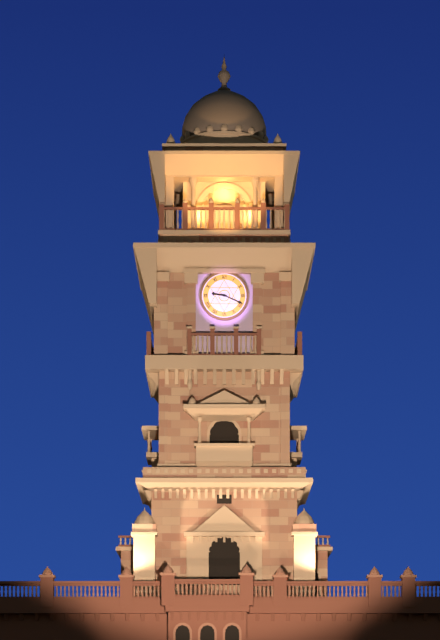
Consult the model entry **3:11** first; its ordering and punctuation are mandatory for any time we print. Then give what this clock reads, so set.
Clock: **9:19**
